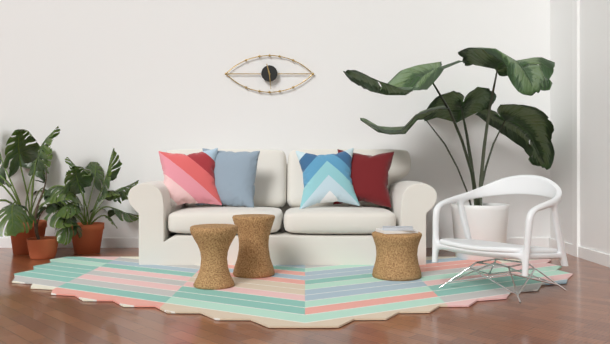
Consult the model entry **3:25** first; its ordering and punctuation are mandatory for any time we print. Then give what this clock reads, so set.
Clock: **11:29**
